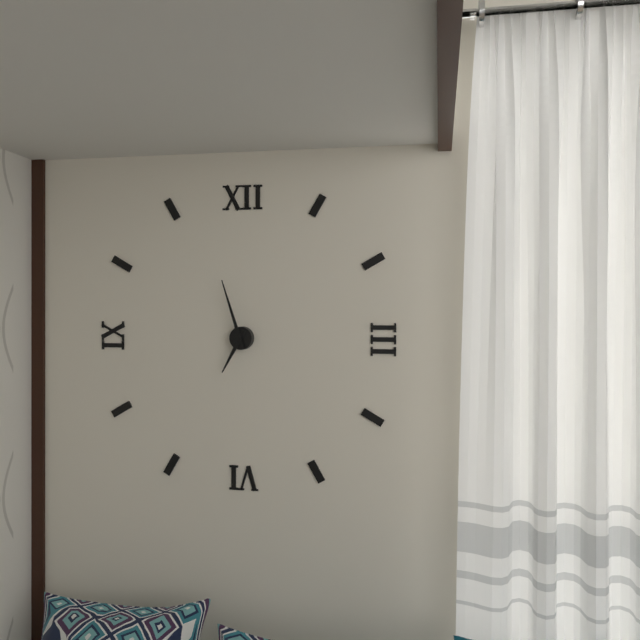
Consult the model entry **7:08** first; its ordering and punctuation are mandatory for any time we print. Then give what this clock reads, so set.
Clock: **6:57**
